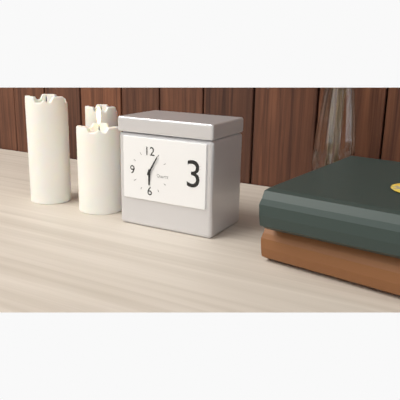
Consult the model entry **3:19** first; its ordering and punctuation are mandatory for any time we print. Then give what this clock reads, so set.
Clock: **6:05**
